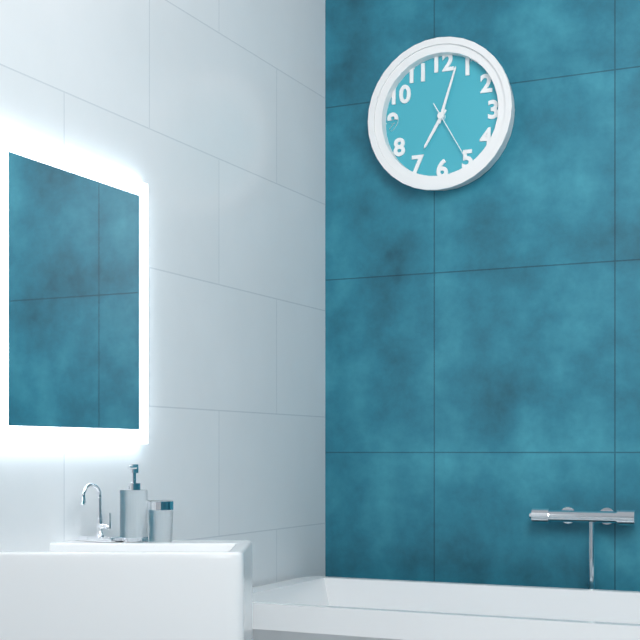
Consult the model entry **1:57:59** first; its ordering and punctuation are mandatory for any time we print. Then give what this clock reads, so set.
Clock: **7:03:25**
